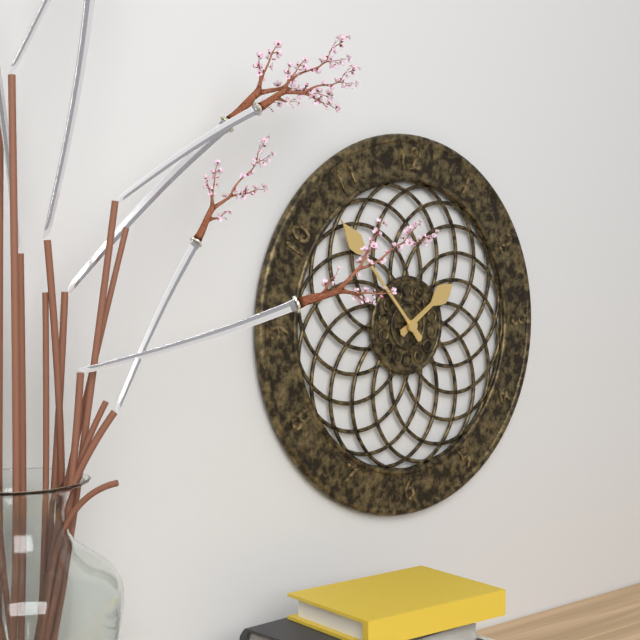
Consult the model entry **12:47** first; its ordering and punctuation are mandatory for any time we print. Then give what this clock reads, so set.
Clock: **1:53**
